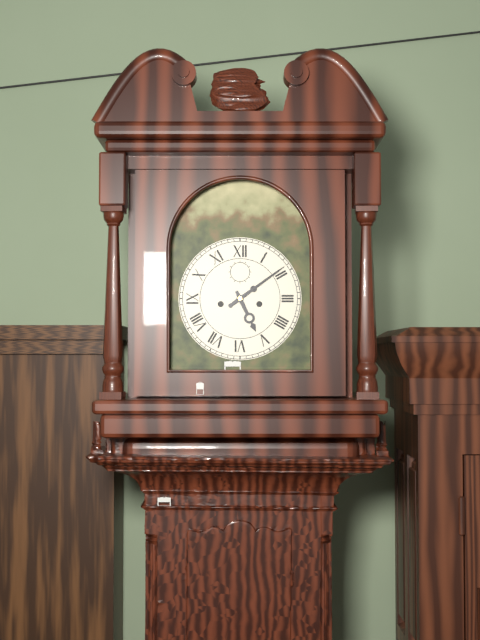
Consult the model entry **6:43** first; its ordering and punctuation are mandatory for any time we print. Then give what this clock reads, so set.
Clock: **5:09**
